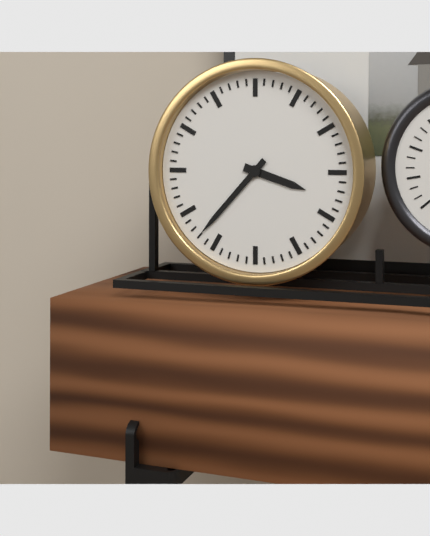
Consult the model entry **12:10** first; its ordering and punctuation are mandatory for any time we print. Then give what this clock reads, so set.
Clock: **3:37**
